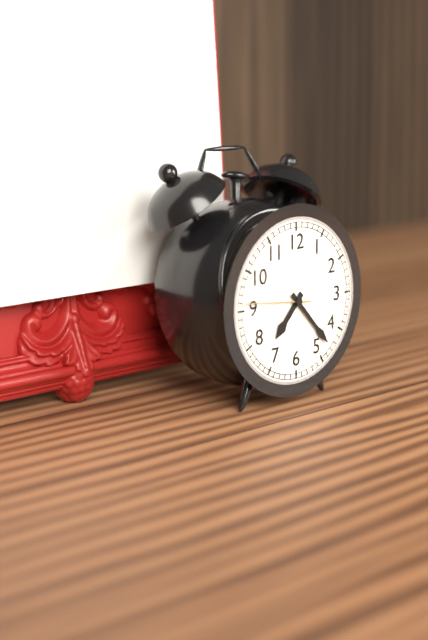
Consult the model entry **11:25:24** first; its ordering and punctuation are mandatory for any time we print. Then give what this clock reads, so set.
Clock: **7:23:46**
